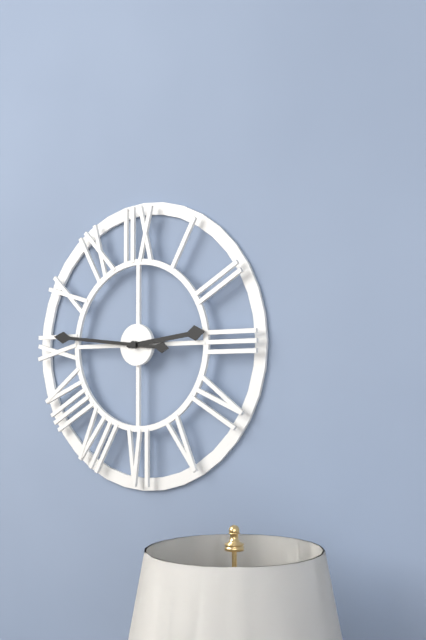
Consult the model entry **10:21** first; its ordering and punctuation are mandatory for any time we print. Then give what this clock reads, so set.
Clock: **2:46**
